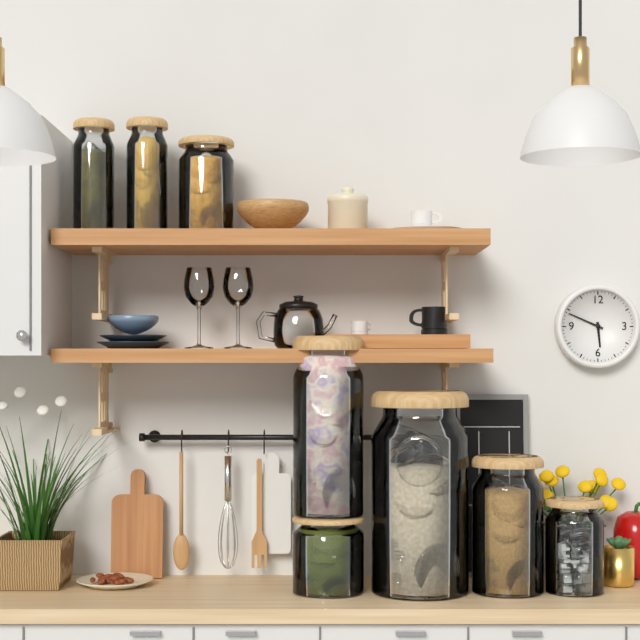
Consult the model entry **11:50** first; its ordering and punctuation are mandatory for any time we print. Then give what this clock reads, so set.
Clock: **5:49**
